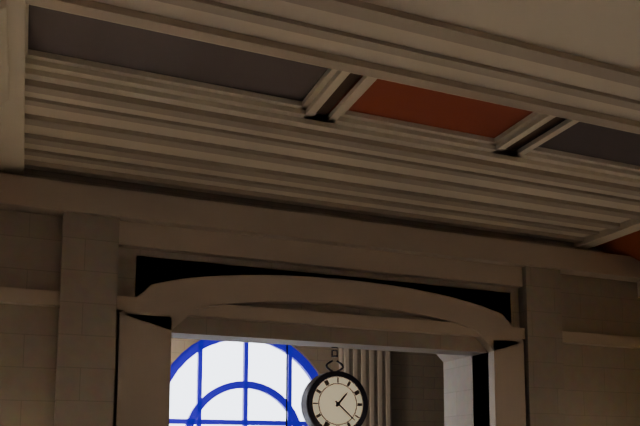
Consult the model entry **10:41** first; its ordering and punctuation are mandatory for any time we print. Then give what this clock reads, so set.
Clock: **1:22**
